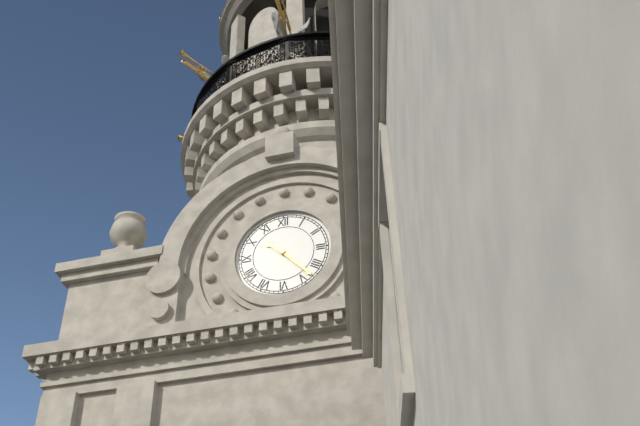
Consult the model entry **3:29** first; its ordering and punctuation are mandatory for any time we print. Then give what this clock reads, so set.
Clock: **10:23**
